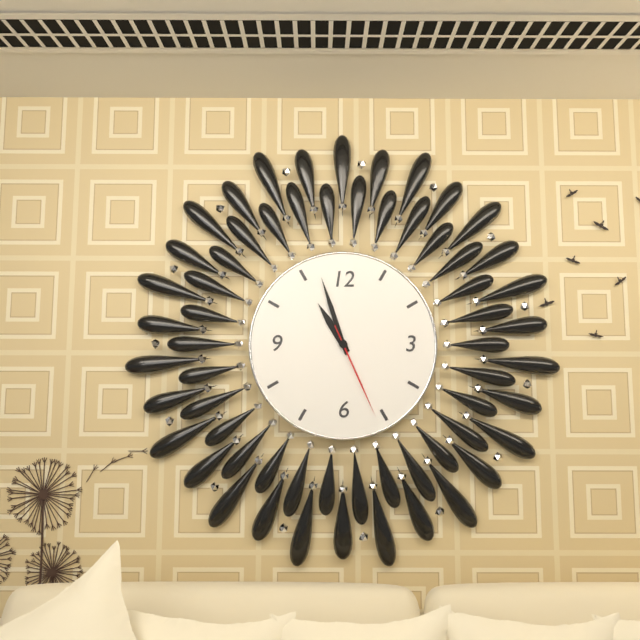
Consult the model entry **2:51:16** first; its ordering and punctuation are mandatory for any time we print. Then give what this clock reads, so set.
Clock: **10:57:26**
